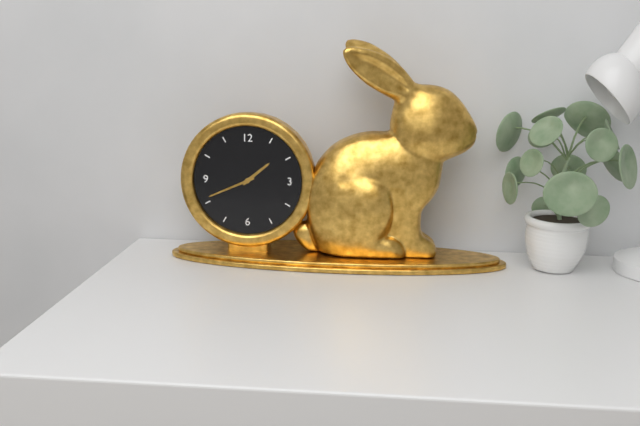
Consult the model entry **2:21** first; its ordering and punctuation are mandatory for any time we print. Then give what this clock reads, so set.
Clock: **1:41**
